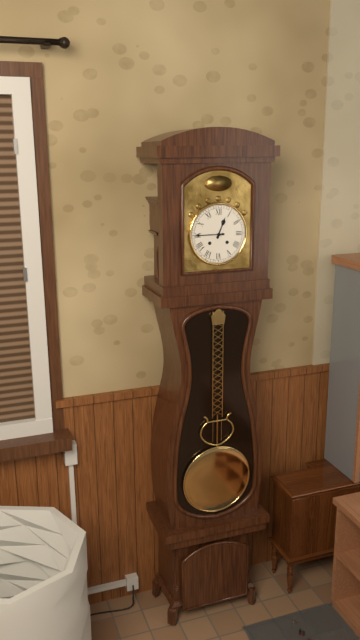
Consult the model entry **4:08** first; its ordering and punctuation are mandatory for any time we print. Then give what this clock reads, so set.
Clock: **12:45**
